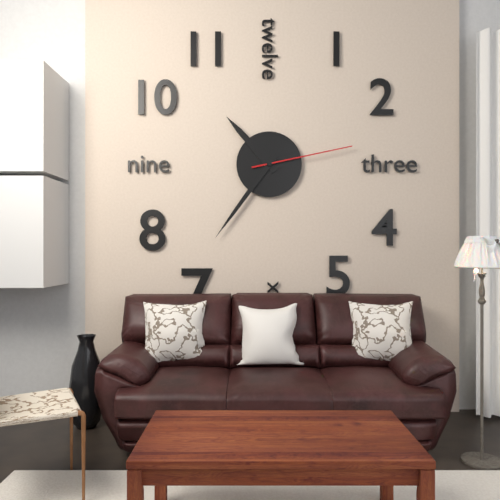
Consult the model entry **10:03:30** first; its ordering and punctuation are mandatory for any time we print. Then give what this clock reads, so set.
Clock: **10:36:13**
